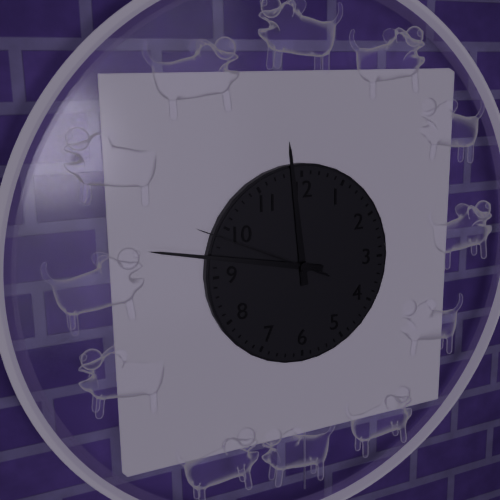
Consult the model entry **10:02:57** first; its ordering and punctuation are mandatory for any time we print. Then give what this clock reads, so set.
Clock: **11:47:49**
